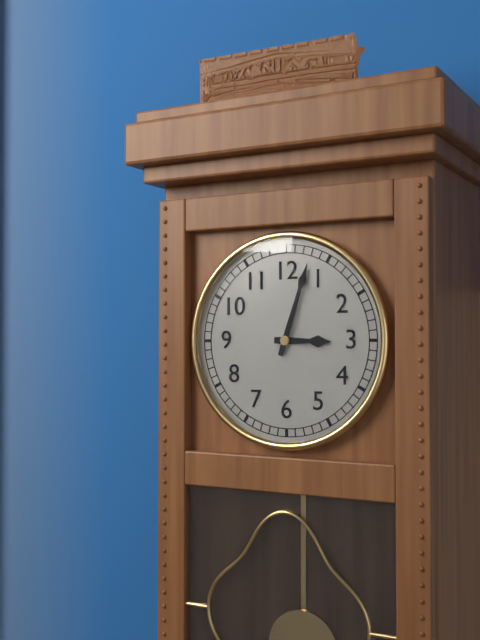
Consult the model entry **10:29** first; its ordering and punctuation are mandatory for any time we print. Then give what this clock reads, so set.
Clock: **3:03**
